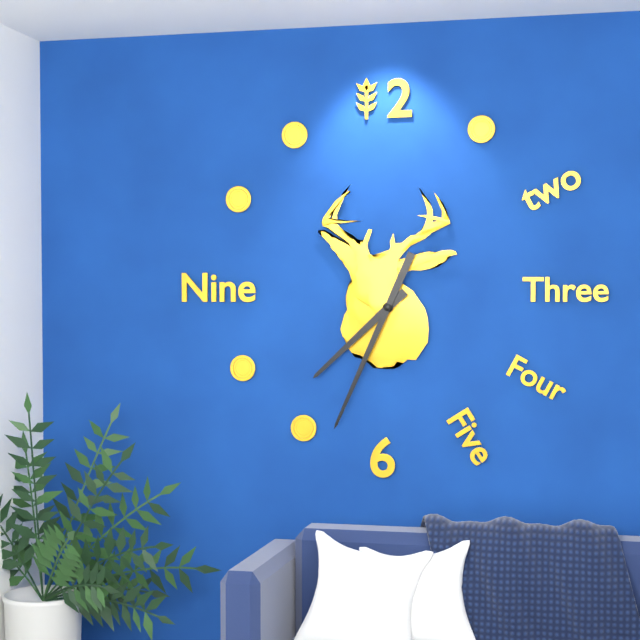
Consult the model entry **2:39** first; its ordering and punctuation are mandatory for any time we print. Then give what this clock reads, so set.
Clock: **7:34**
